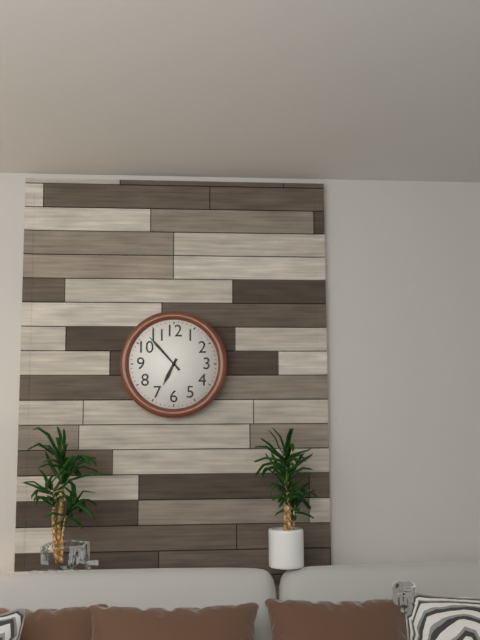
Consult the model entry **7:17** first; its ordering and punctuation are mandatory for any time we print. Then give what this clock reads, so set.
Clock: **6:53**
